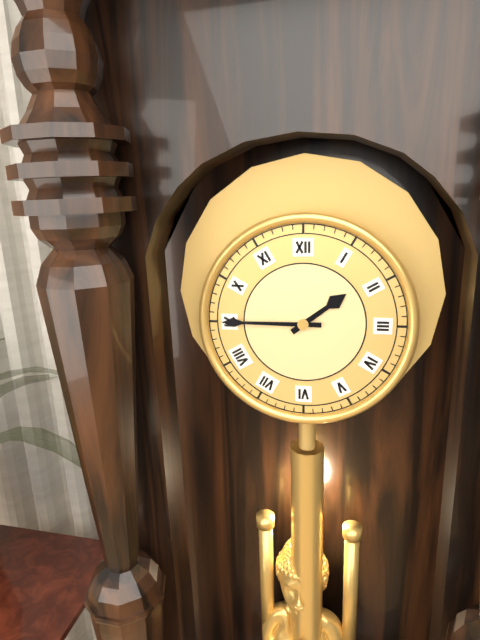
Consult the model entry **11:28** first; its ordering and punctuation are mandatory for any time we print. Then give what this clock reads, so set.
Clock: **1:45**
